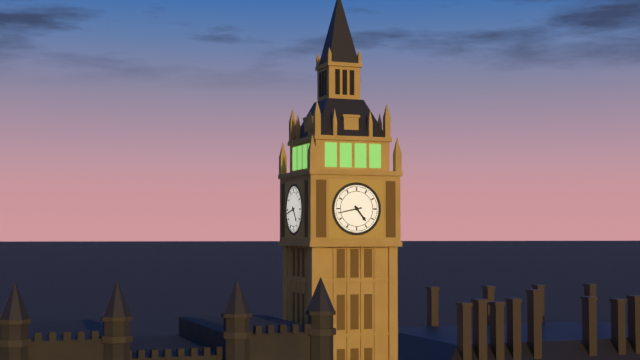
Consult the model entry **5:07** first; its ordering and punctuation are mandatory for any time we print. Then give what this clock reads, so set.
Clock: **4:43**
